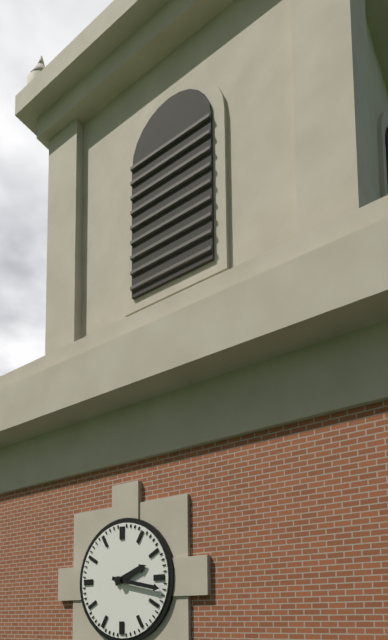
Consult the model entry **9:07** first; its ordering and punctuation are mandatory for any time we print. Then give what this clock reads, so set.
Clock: **2:17**
